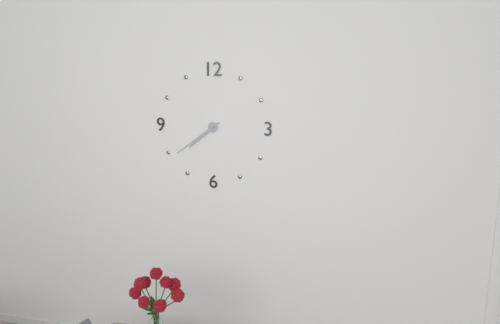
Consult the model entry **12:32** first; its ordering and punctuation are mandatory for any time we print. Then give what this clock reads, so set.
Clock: **7:39**
